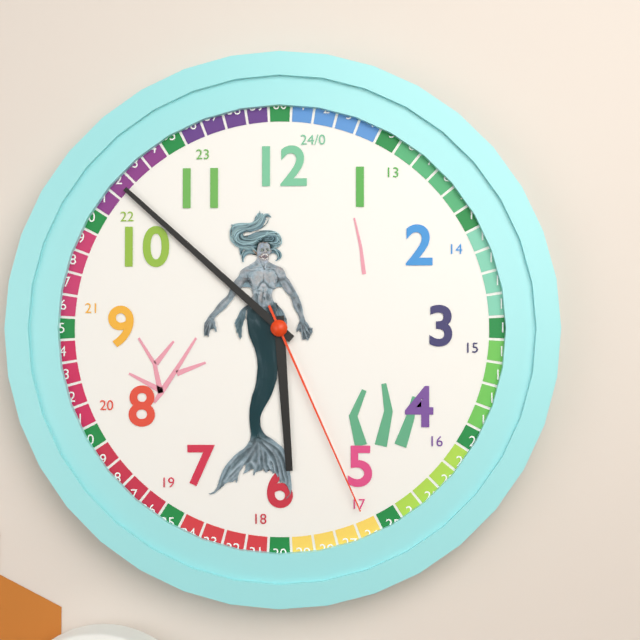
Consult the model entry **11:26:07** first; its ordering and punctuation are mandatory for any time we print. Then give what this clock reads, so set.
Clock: **5:52:26**
